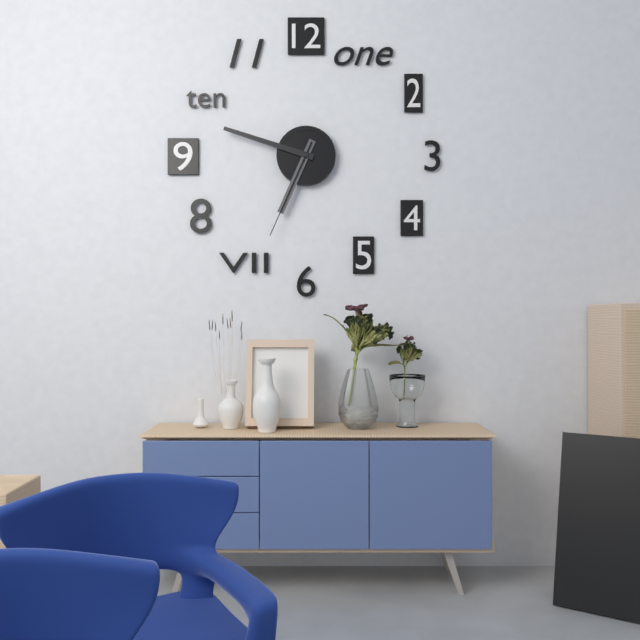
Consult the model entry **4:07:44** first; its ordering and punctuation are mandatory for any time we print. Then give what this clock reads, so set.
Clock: **6:48:34**
